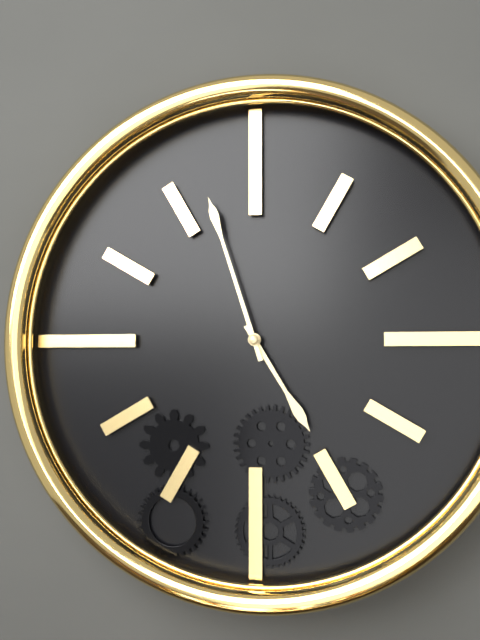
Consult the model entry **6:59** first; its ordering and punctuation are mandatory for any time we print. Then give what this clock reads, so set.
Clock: **4:57**
